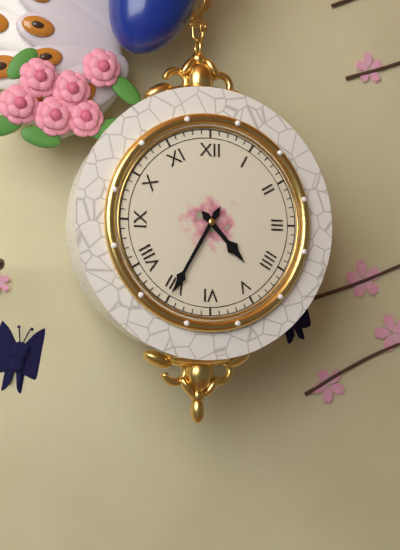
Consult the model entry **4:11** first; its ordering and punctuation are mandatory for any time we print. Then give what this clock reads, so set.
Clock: **4:35**
